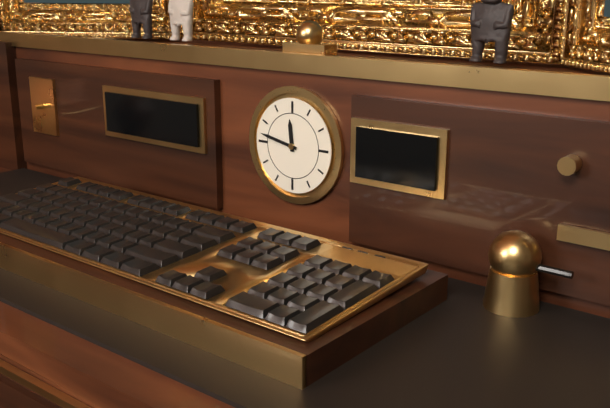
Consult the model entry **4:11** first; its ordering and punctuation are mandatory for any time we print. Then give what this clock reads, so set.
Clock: **11:47**
